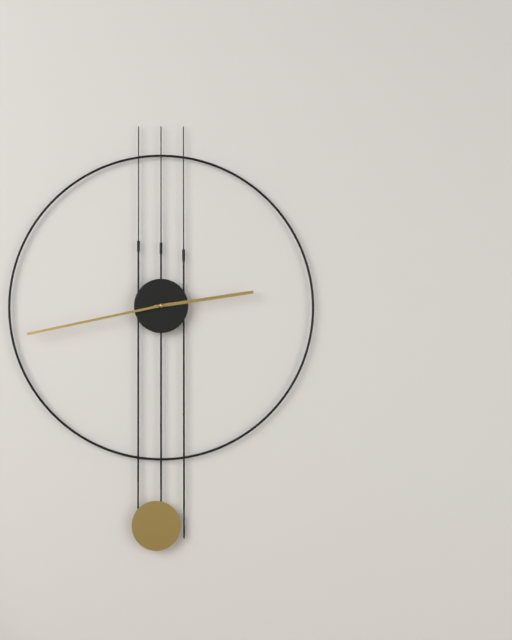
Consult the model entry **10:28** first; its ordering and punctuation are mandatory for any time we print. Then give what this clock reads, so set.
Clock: **2:43**
